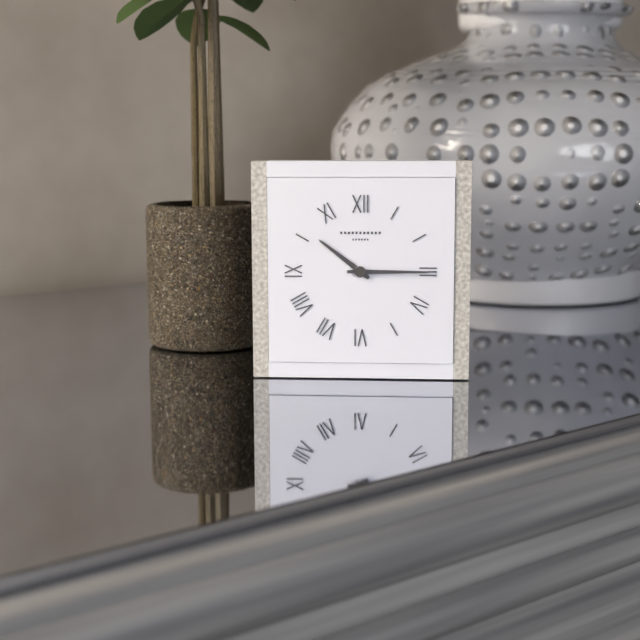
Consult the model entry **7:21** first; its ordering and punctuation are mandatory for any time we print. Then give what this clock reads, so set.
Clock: **10:15**
